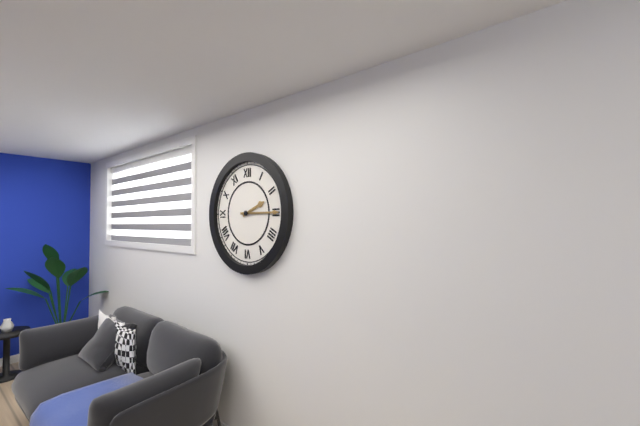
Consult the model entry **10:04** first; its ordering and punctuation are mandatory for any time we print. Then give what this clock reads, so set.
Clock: **2:15**
